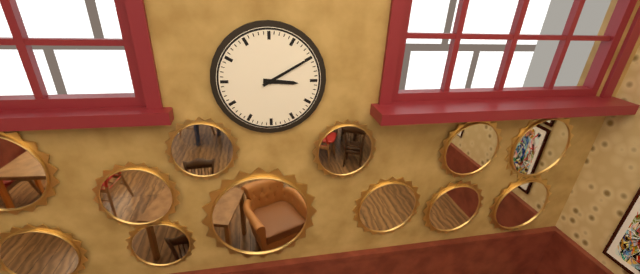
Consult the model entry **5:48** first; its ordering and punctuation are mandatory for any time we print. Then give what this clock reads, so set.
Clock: **3:10**
